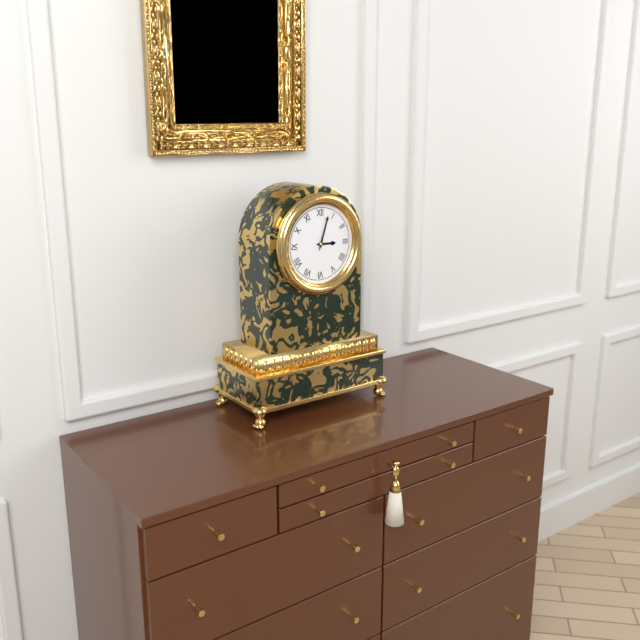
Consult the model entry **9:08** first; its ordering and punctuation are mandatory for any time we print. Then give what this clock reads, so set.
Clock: **3:03**
